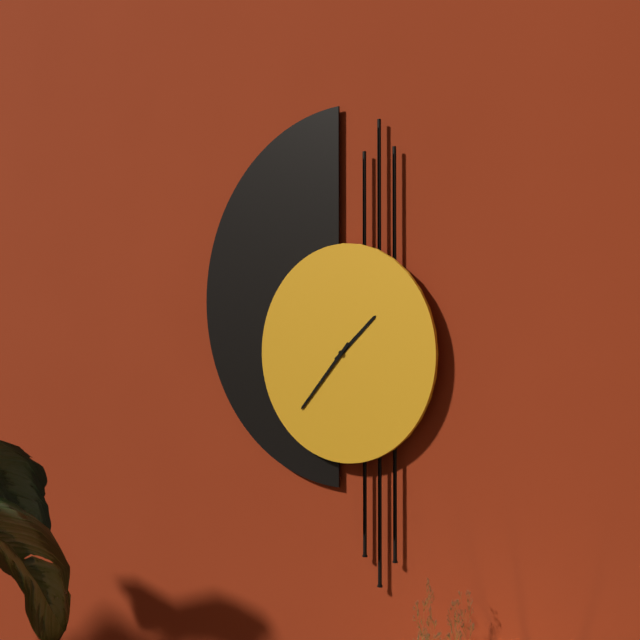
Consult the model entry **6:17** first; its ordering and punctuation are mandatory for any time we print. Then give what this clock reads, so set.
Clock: **1:37**
